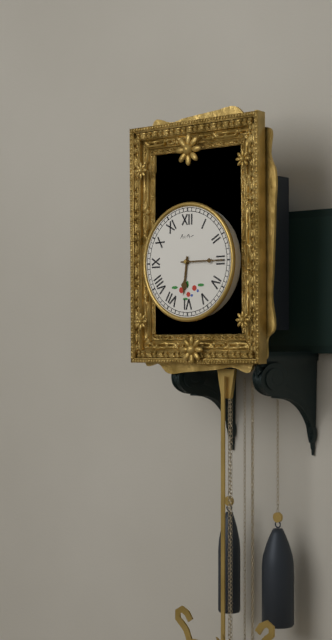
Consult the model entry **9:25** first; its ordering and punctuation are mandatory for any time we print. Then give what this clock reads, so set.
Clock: **6:15**
